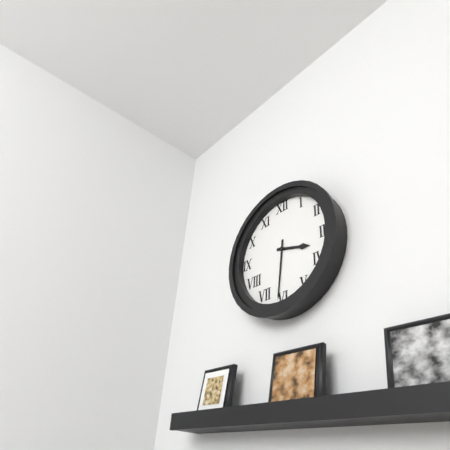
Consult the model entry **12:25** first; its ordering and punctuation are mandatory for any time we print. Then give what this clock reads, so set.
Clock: **3:31**
